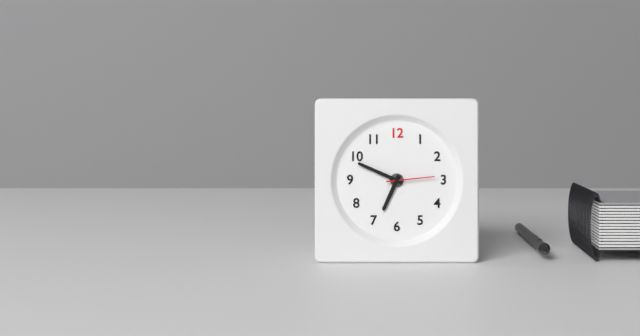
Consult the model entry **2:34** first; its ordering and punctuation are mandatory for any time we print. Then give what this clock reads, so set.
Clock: **6:49**
